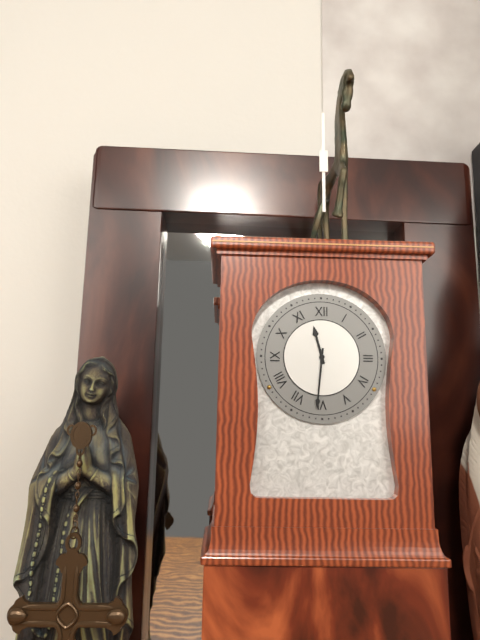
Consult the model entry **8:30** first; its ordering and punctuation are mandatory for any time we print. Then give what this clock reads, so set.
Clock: **11:31**
